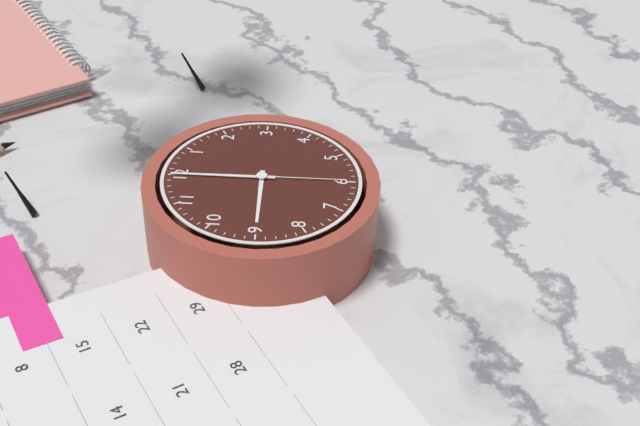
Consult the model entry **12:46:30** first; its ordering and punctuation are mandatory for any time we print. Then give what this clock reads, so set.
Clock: **9:00:30**
